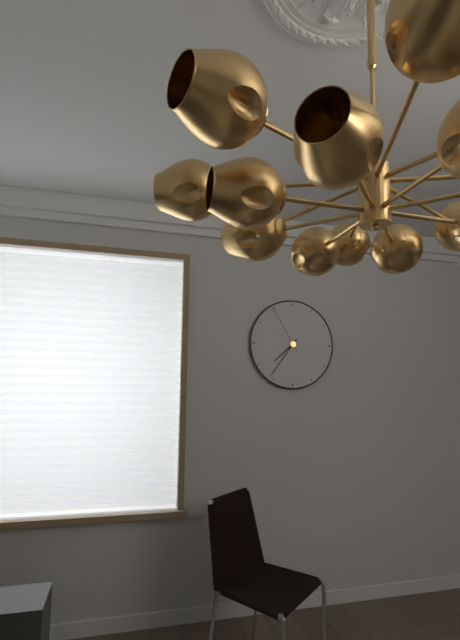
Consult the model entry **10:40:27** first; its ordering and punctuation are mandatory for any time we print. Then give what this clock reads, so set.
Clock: **7:36:55**
